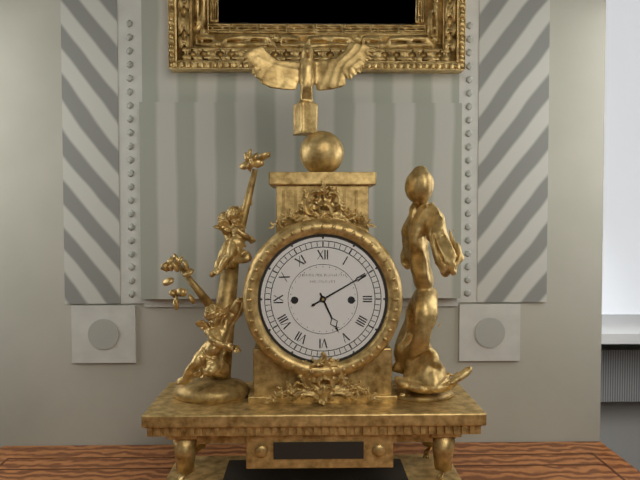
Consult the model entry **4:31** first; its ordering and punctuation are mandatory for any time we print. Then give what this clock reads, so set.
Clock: **5:10**
